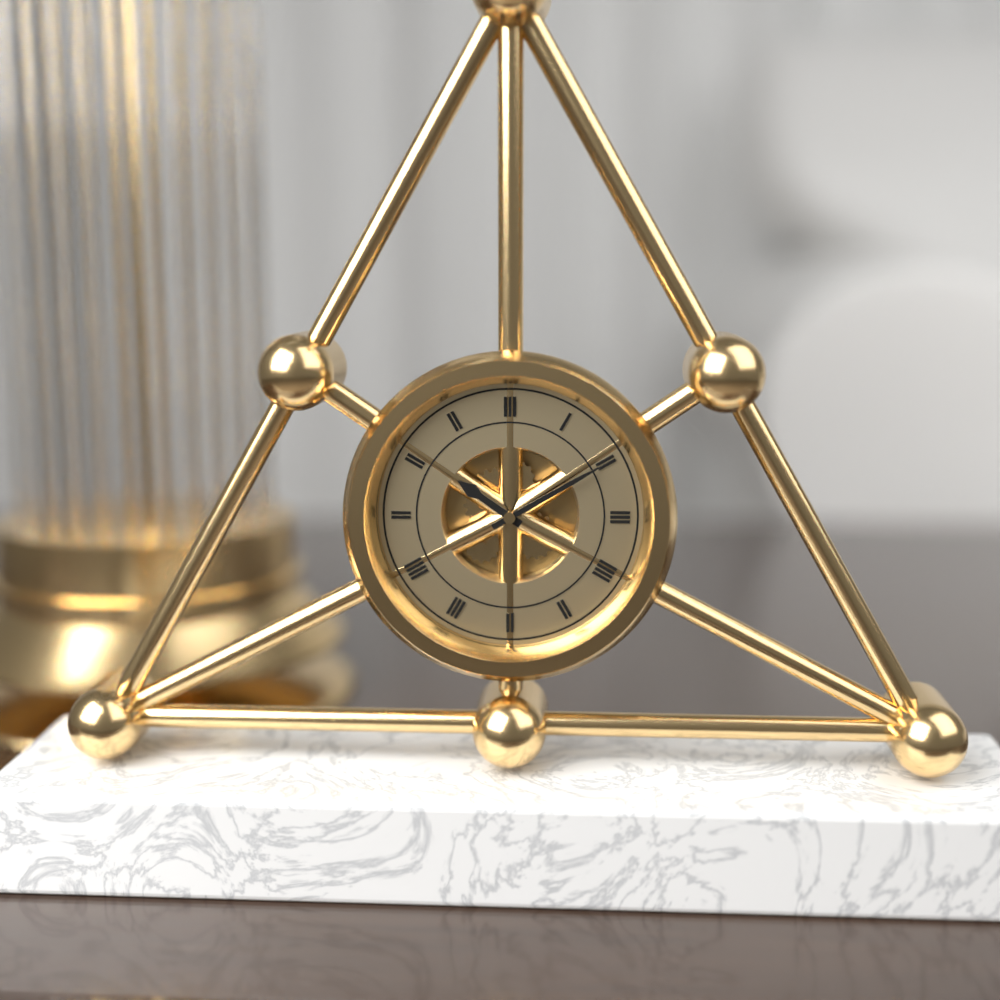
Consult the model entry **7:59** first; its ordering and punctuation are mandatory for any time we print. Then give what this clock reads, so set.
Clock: **10:10**
